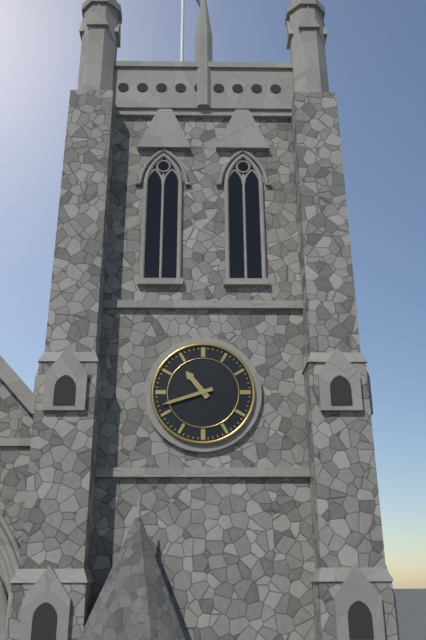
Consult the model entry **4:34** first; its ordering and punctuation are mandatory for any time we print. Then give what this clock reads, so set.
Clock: **10:42**
